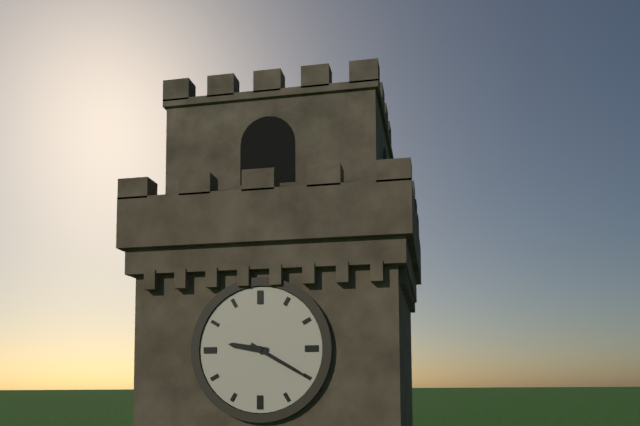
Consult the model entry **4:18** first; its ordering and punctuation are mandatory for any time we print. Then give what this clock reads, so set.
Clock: **9:20**
